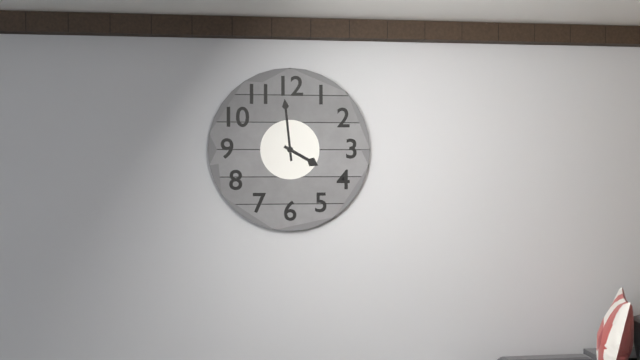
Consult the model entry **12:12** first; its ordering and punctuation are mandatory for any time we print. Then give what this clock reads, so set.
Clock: **3:59**
